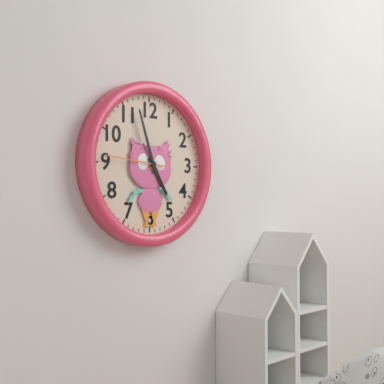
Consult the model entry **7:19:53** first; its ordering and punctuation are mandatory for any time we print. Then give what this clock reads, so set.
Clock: **4:57:46**
